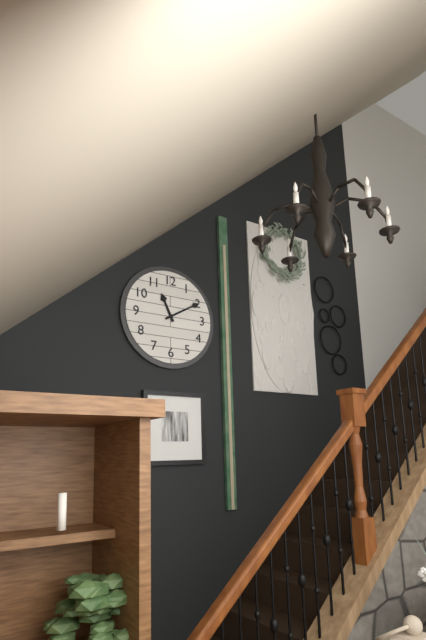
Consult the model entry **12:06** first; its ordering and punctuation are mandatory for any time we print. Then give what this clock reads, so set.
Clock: **11:10**
